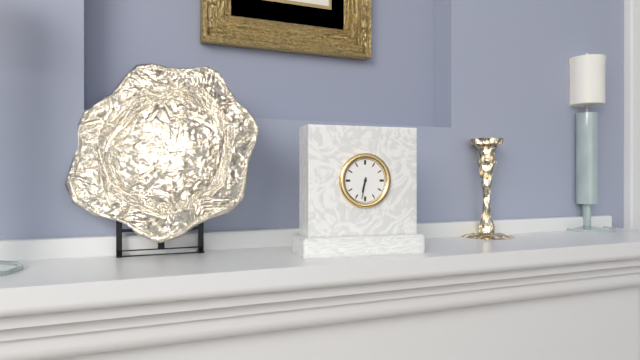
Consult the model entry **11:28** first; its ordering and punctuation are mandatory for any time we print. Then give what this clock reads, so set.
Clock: **6:32**
